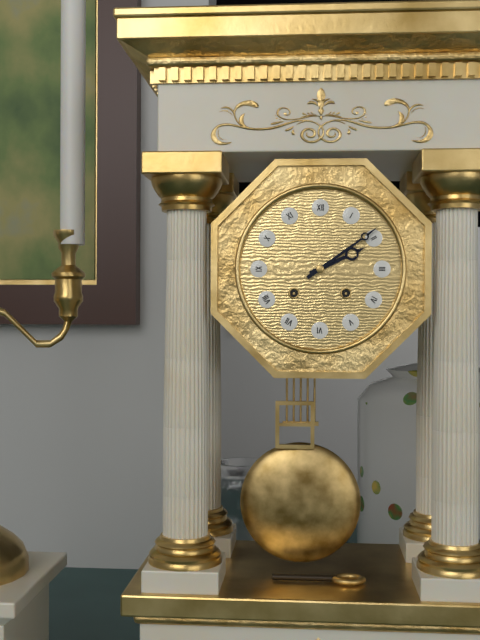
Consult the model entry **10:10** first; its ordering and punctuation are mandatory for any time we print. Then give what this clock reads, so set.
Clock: **2:09**
